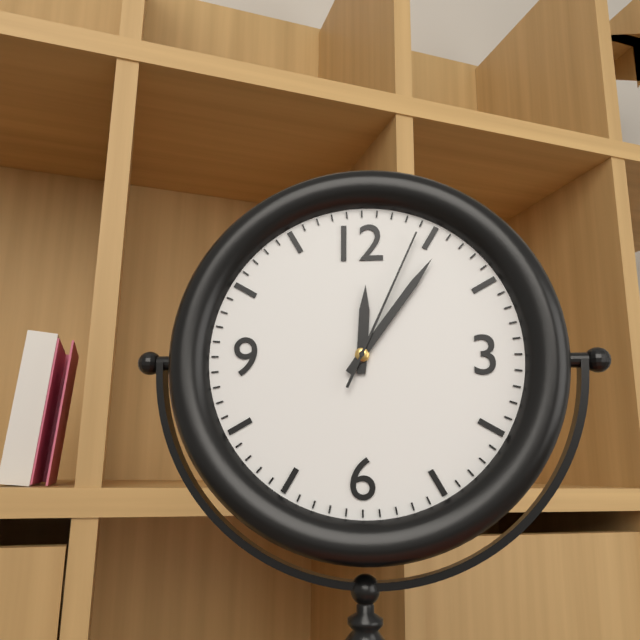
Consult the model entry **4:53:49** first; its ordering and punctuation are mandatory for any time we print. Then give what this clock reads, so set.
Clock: **12:06:04**
